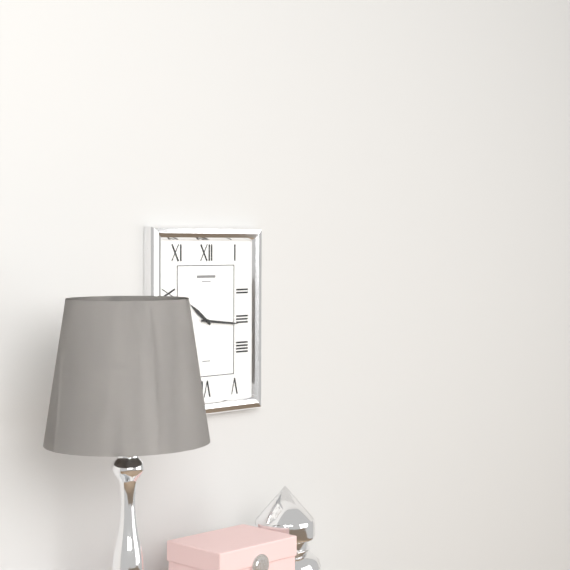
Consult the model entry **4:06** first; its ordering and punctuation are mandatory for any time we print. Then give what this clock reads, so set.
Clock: **10:16**
